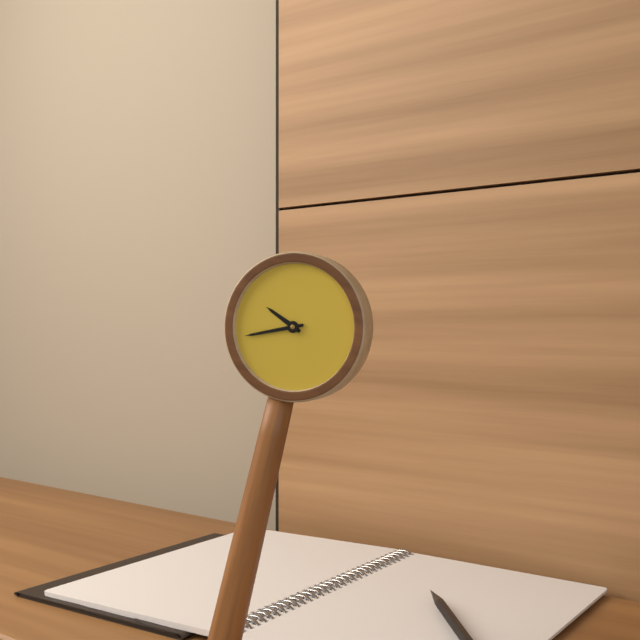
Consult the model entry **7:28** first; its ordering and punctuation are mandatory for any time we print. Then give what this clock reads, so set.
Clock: **9:41**
